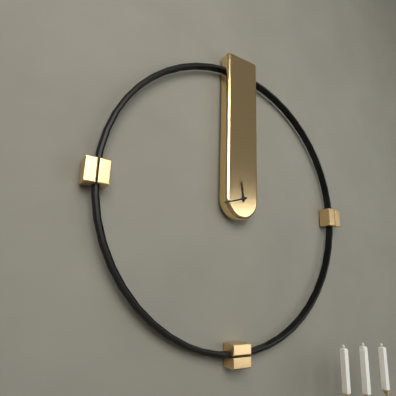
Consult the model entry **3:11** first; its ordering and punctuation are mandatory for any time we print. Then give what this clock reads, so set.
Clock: **11:42**
